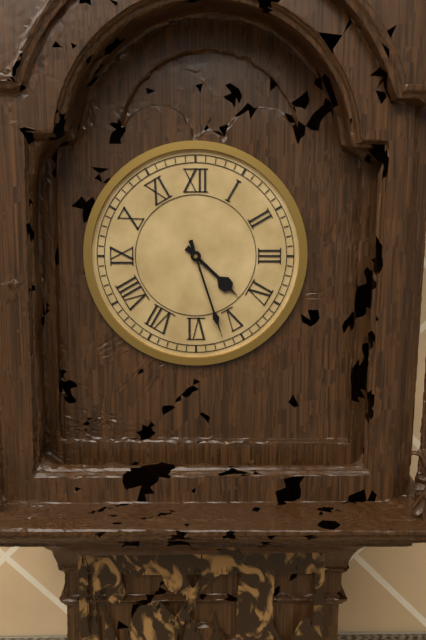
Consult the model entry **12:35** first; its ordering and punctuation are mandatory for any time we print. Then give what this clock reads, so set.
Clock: **4:27**
